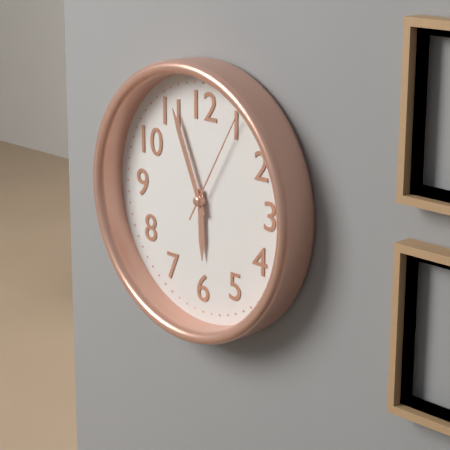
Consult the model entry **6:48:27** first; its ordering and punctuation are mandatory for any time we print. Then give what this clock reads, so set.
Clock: **5:56:05**
